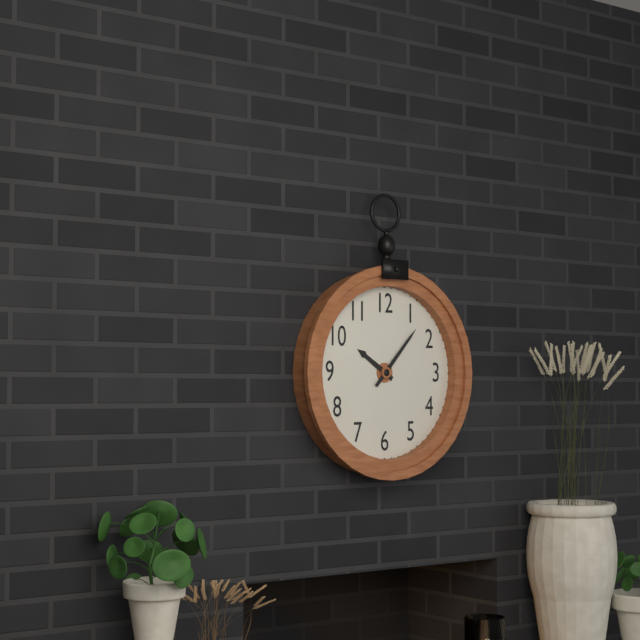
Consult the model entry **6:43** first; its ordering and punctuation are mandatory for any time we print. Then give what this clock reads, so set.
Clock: **10:07**
